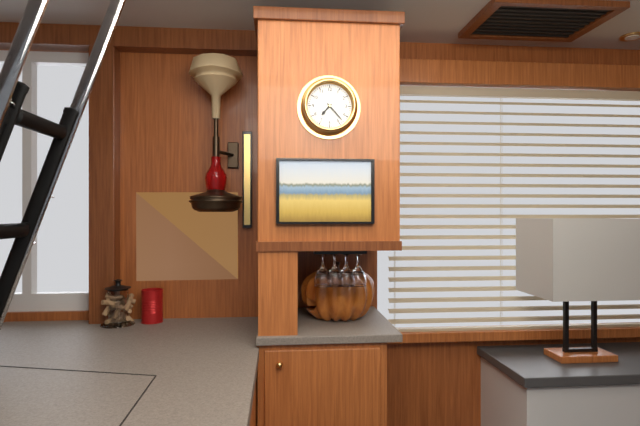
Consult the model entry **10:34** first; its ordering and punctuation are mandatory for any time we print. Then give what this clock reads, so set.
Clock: **7:23**
